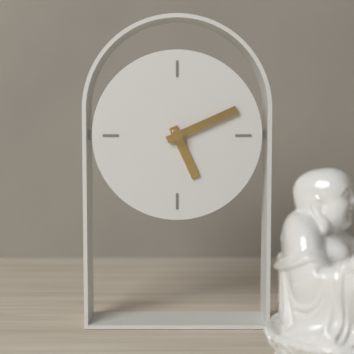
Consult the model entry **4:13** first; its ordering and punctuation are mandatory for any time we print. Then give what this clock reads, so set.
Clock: **5:11**
